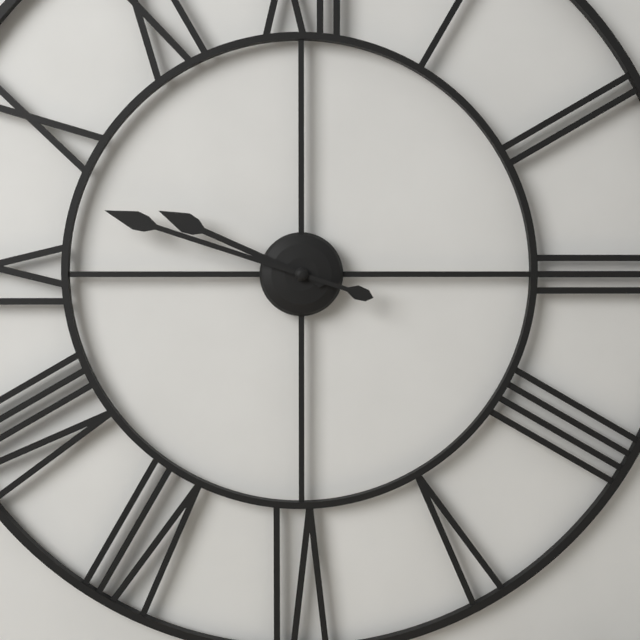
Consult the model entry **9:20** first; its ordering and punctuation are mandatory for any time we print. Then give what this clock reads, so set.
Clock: **9:48**
